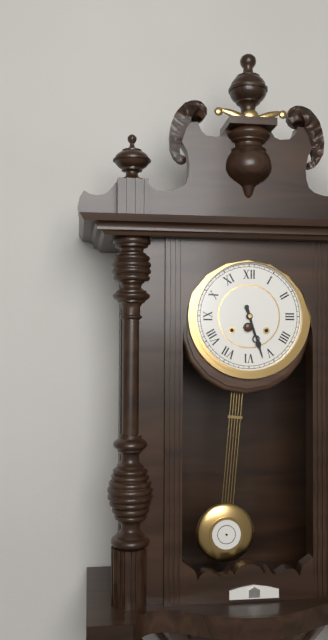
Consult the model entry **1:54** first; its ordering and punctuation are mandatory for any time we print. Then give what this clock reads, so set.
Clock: **5:27**
